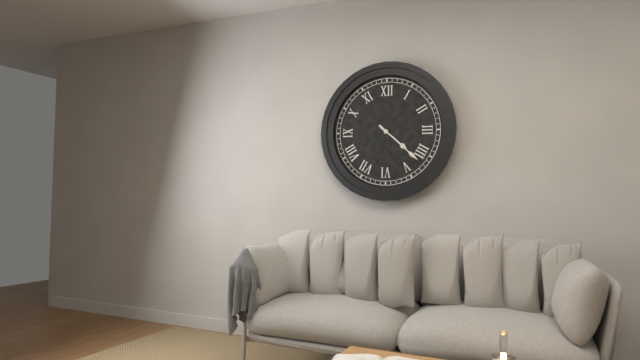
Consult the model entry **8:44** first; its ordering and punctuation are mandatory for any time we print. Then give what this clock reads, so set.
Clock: **4:22**
